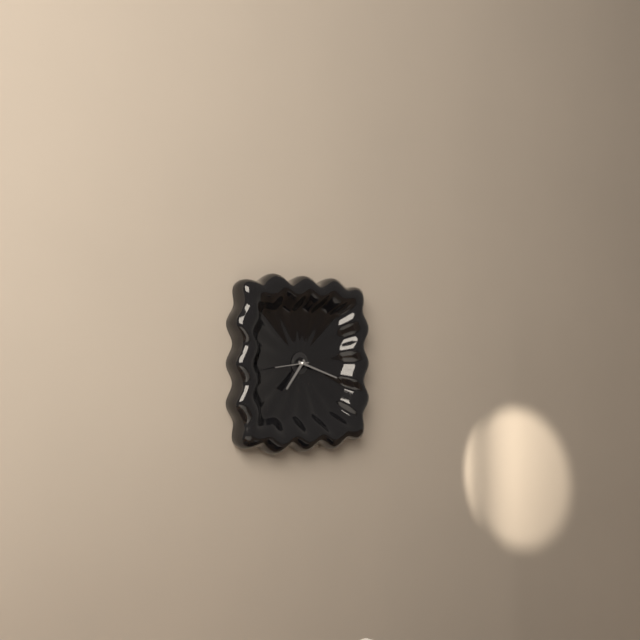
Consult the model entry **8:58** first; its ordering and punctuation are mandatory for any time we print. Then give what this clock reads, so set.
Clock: **7:18**
